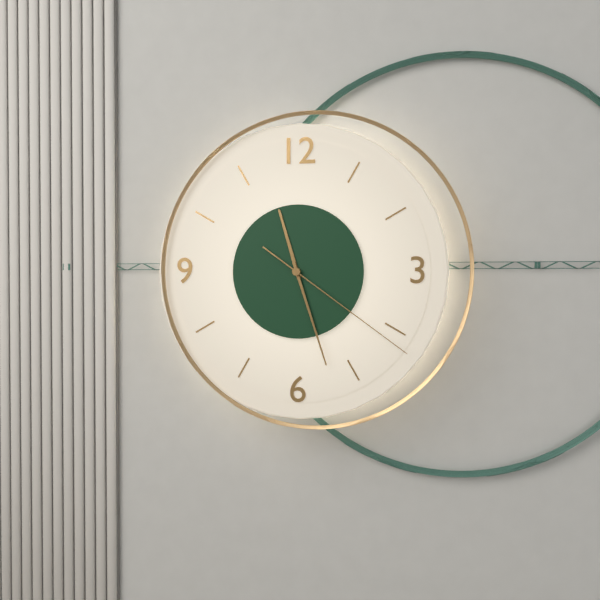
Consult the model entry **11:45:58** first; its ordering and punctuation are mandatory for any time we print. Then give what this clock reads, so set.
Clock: **11:27:21**
